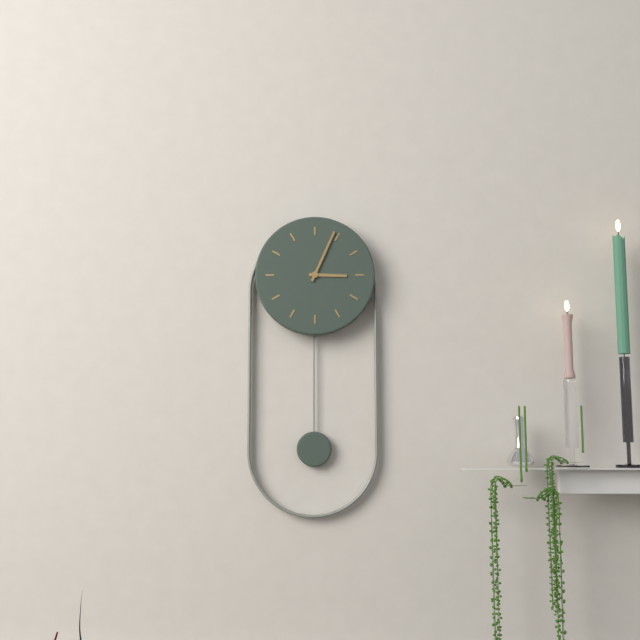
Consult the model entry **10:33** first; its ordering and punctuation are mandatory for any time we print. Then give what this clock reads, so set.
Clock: **3:04**
